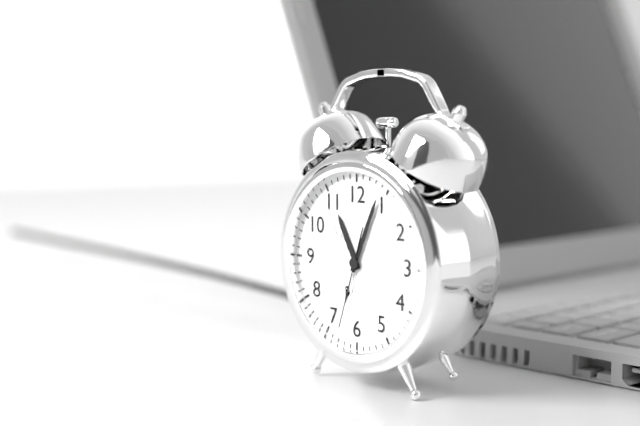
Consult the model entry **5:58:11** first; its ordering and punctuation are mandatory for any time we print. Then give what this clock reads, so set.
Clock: **11:04:33**
